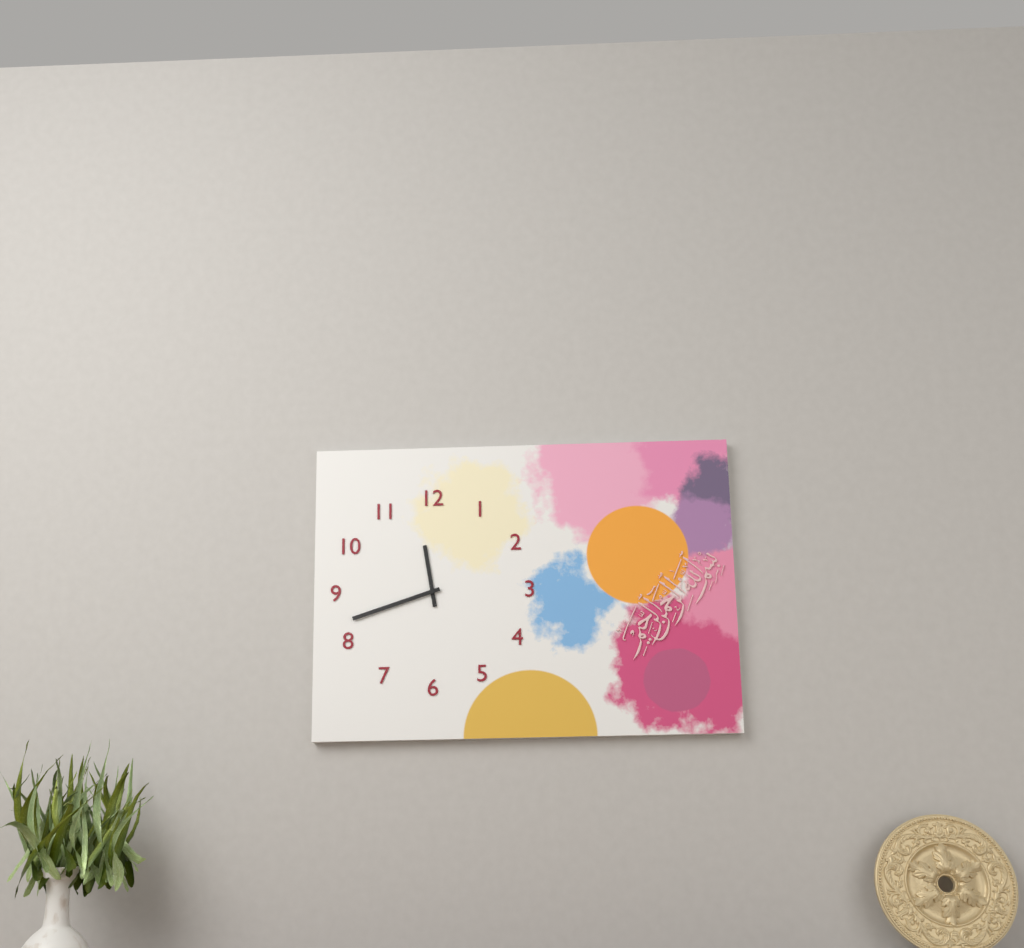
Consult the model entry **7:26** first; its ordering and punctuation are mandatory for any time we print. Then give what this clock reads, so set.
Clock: **11:42**
